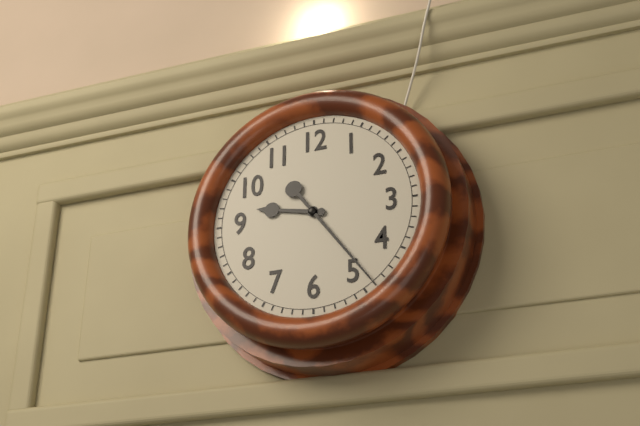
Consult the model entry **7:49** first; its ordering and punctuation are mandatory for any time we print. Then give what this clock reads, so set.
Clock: **9:24**
